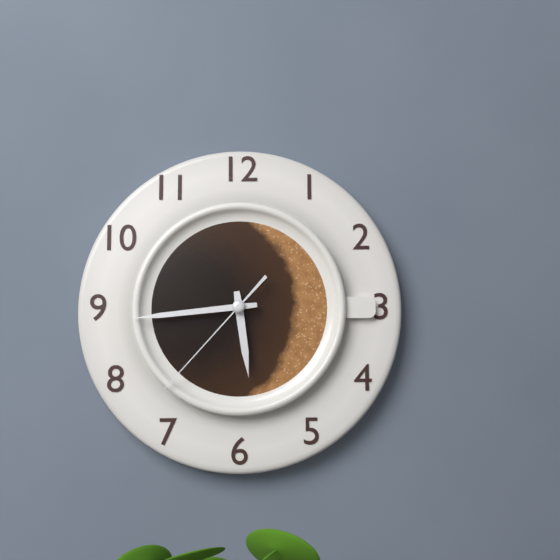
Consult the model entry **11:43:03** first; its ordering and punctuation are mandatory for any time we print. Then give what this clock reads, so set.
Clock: **5:44:37**
